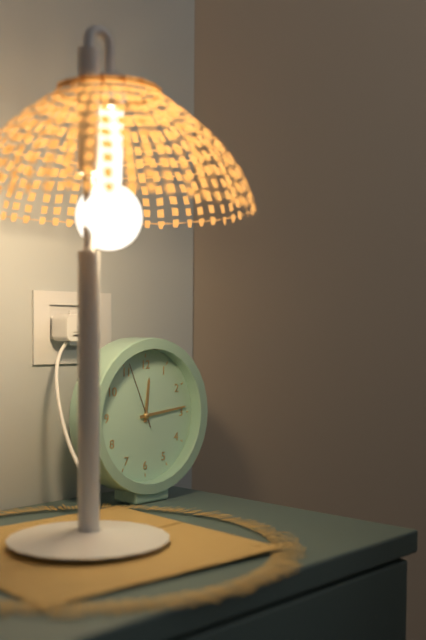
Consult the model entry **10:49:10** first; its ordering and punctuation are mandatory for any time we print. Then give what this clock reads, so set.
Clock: **12:14:56**
